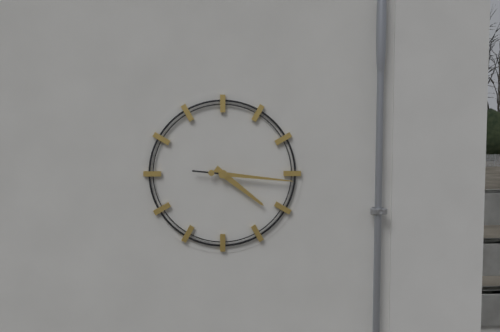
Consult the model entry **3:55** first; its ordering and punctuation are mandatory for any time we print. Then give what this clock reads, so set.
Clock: **4:16**
